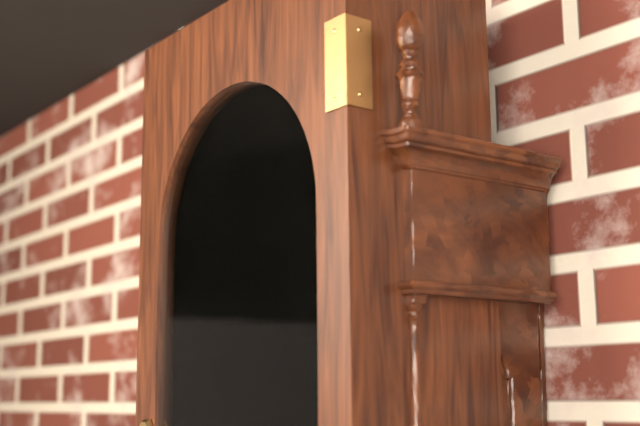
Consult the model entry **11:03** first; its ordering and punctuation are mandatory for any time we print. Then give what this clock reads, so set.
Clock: **6:30**
